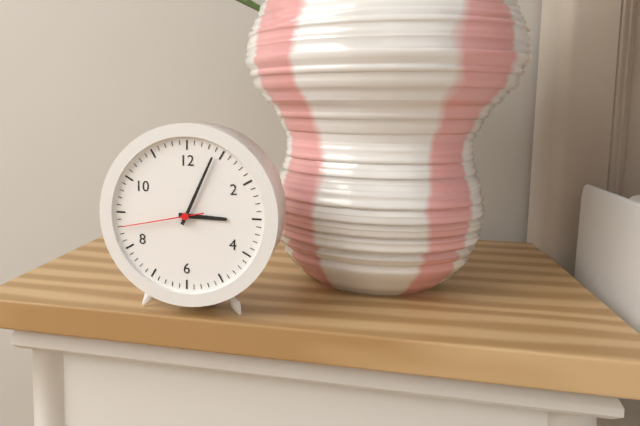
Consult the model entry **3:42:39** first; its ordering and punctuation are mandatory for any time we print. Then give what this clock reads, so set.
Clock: **3:04:43**
